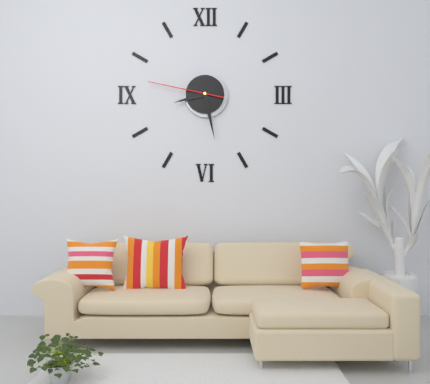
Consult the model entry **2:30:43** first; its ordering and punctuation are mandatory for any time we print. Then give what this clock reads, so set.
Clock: **8:28:47**
